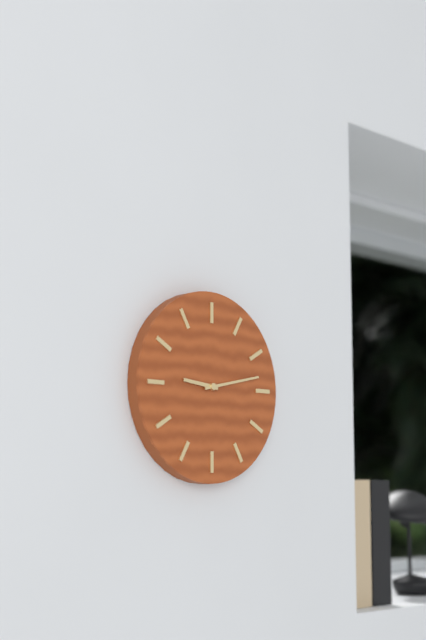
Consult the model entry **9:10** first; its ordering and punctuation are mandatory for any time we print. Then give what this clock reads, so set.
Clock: **9:13**
